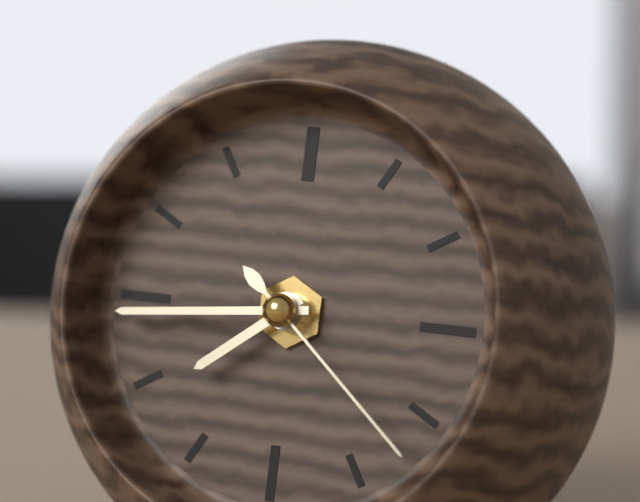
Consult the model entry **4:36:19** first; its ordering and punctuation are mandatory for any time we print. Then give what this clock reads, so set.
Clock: **7:44:22**
